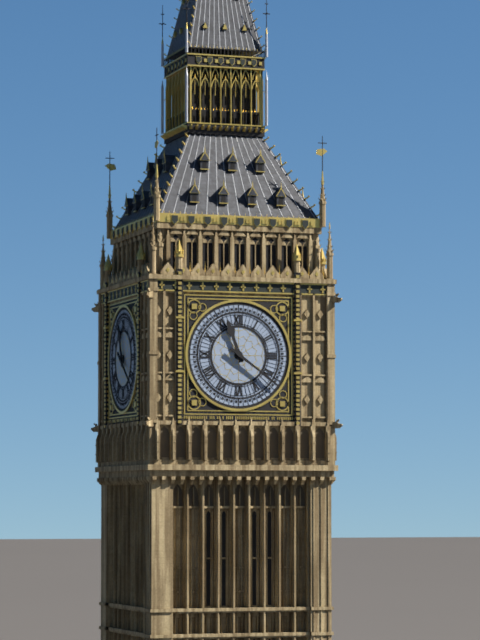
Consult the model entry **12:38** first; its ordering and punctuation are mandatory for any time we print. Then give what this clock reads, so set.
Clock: **11:21**
